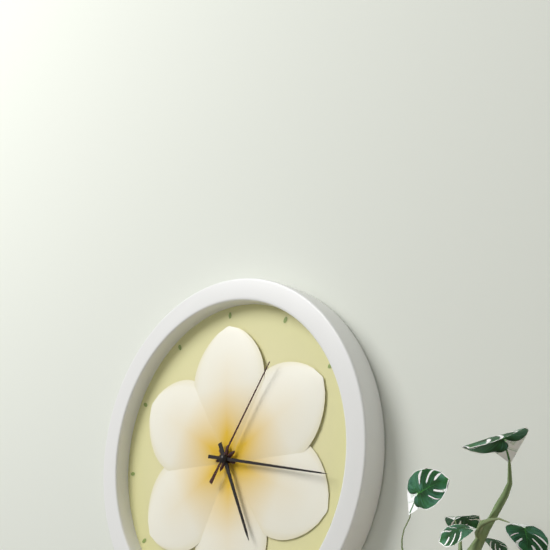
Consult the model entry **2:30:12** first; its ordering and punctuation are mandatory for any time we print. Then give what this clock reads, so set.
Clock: **5:17:06**
